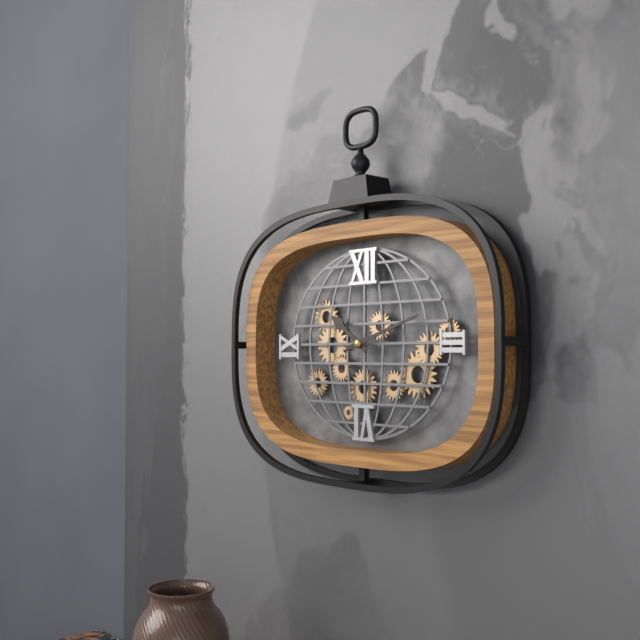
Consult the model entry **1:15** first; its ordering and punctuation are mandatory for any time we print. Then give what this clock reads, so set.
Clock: **10:12**
